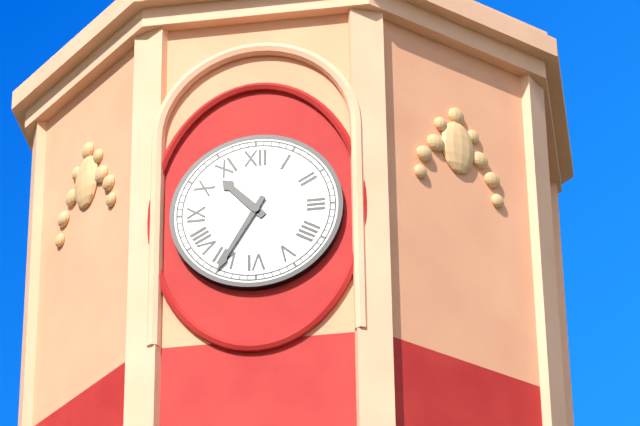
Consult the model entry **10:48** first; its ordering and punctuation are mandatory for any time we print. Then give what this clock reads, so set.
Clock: **10:35**
